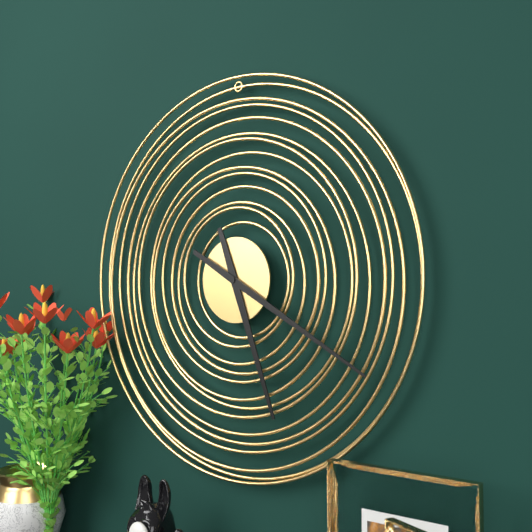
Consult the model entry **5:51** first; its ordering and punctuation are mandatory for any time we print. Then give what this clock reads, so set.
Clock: **5:20**
